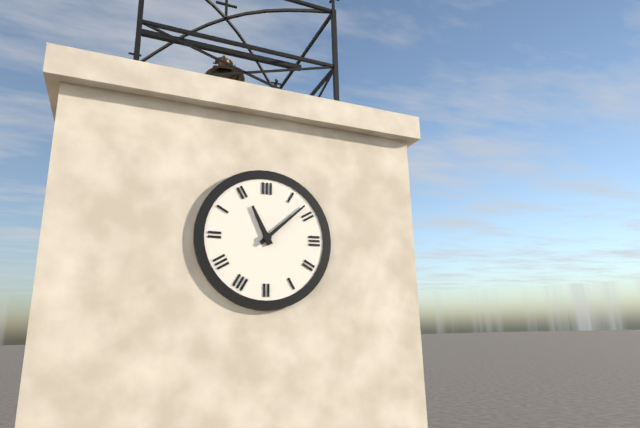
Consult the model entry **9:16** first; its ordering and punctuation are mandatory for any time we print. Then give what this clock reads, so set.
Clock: **11:08**
